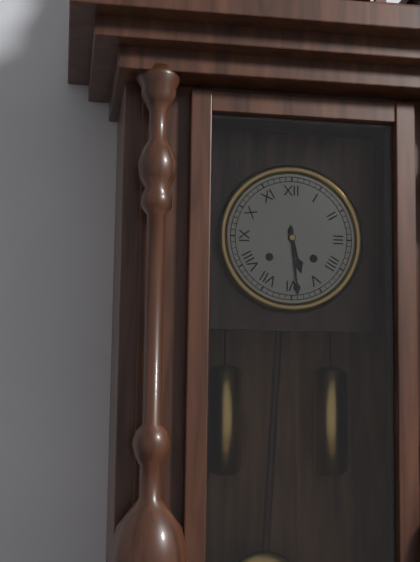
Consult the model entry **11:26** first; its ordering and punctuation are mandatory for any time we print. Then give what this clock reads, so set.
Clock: **5:29**
